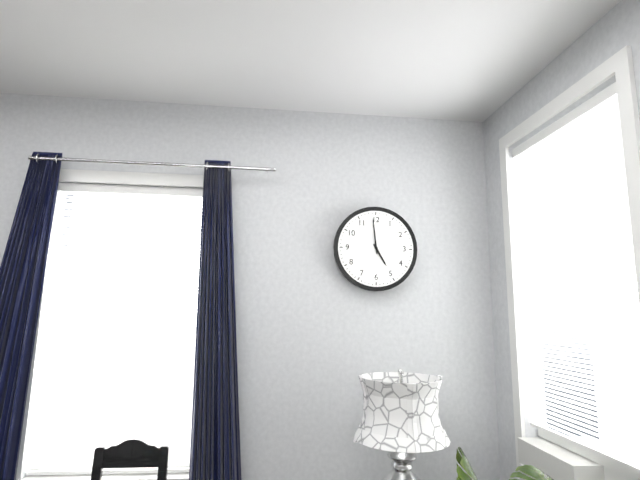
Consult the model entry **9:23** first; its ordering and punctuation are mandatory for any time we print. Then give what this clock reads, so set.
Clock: **4:59**
